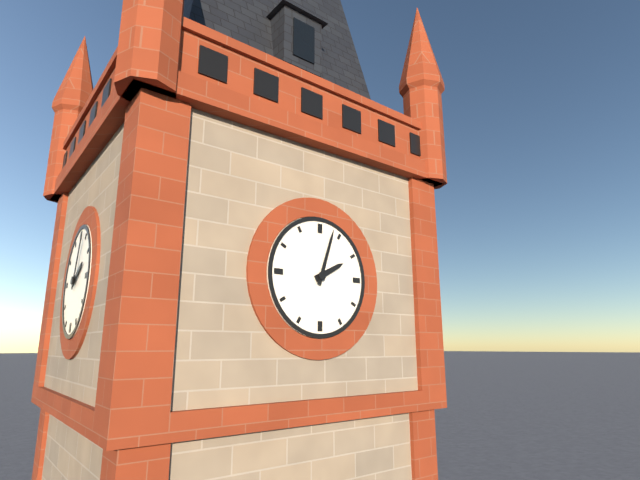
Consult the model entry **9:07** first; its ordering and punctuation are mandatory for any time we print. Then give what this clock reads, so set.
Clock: **2:03**
